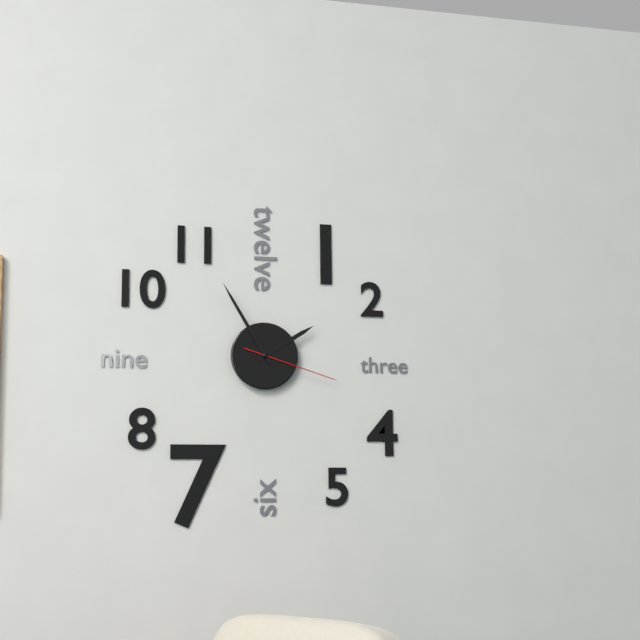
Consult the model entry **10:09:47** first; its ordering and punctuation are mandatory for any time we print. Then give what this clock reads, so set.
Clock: **1:55:18**
